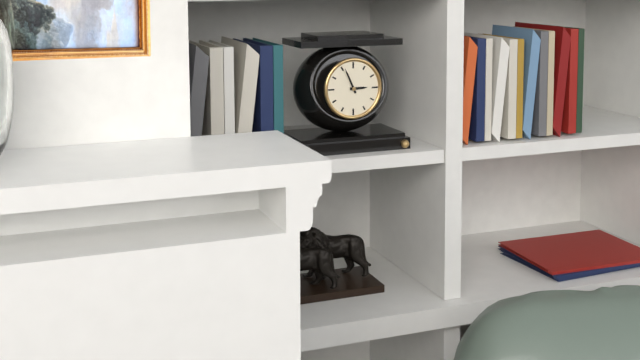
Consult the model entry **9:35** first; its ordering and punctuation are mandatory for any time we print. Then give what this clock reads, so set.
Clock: **2:56**
